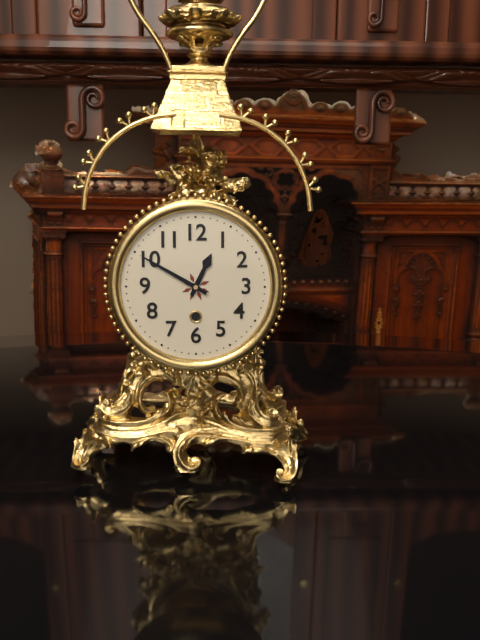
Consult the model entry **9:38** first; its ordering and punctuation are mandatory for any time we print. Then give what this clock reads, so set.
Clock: **12:50**
